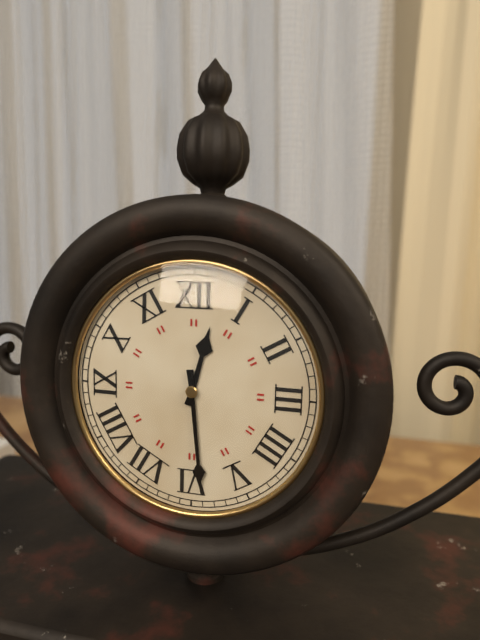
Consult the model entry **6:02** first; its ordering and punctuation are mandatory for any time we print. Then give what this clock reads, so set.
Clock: **12:29**
